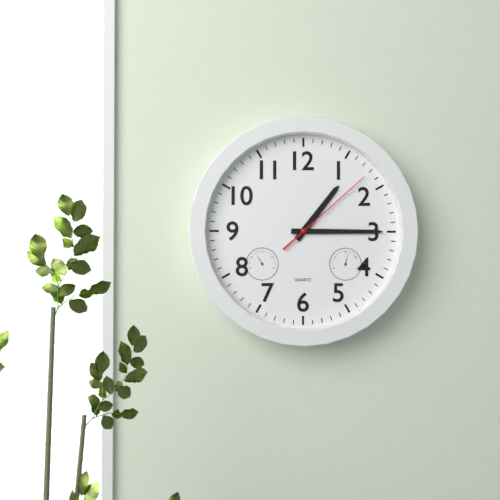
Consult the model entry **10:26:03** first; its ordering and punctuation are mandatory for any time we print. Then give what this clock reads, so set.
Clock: **1:15:08**
